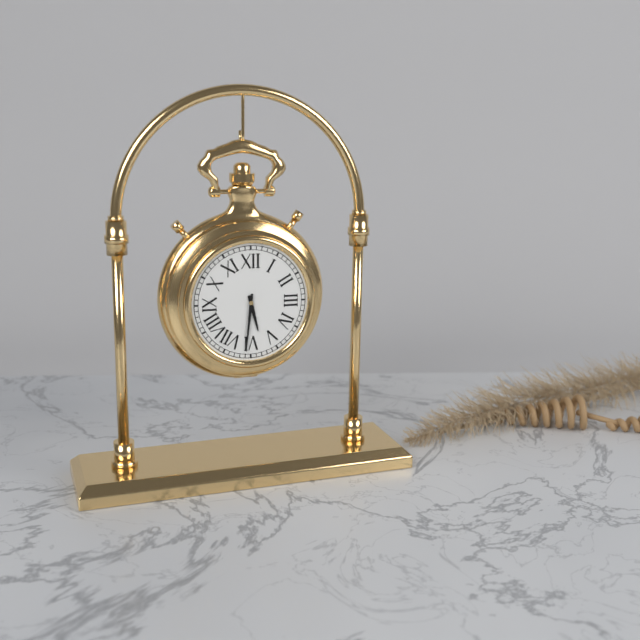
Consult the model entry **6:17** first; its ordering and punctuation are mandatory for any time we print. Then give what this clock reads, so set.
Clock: **5:31**
